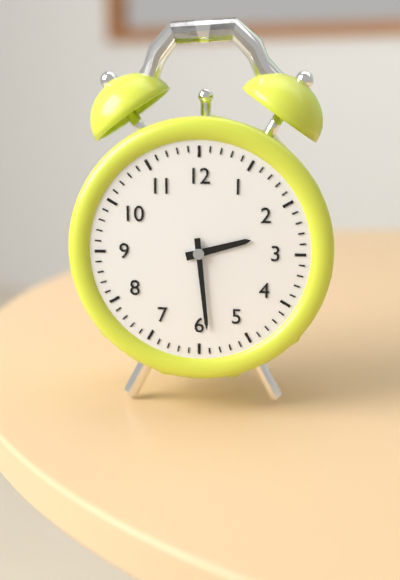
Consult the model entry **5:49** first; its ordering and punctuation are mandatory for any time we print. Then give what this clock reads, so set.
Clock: **2:29**
